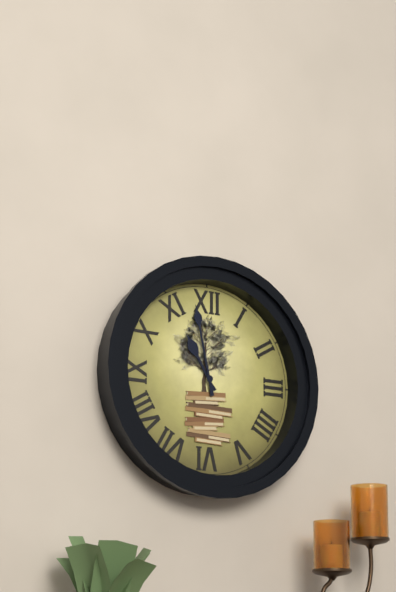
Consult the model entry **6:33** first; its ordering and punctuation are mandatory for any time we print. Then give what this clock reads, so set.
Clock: **10:58**
